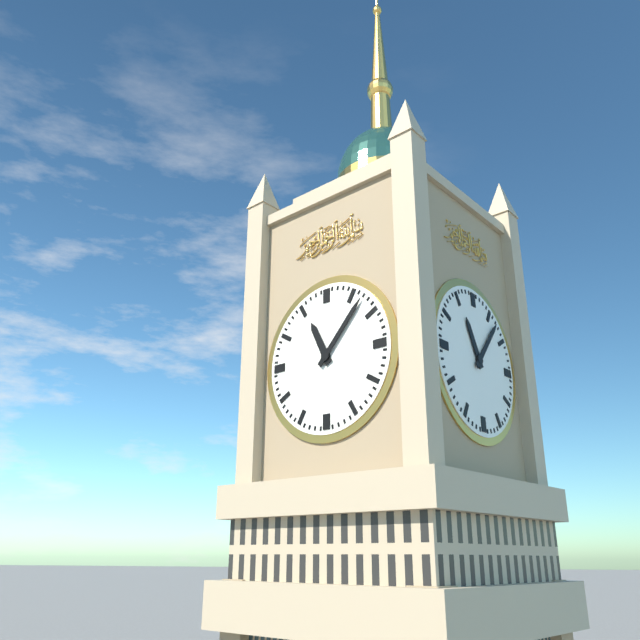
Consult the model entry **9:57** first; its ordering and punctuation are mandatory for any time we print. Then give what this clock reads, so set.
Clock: **11:07**
